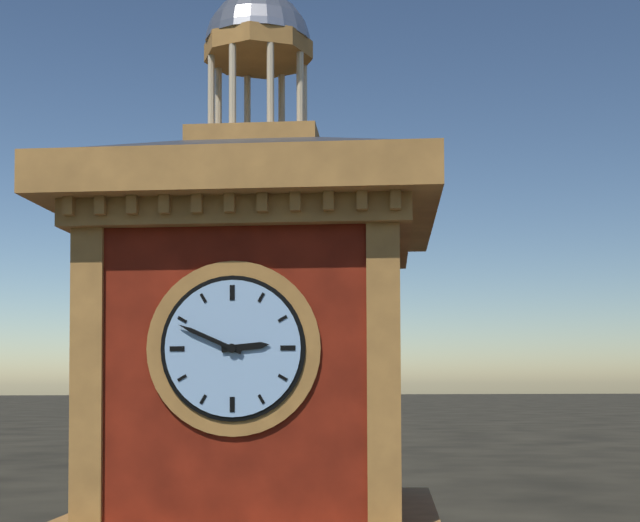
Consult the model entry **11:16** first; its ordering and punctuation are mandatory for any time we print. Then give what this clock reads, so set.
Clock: **2:49**
